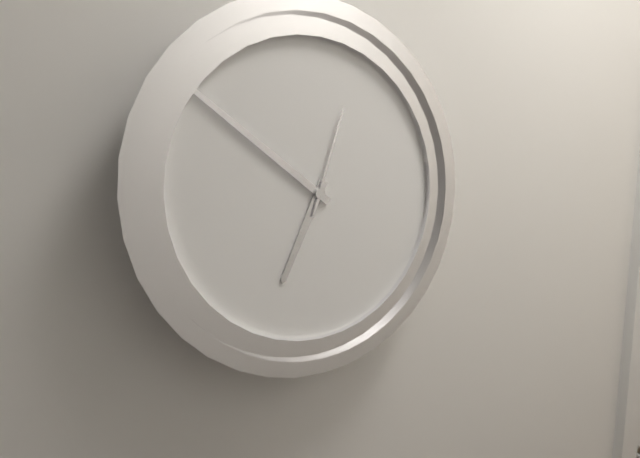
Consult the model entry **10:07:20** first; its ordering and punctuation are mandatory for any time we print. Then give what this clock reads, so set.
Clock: **6:51:03**
